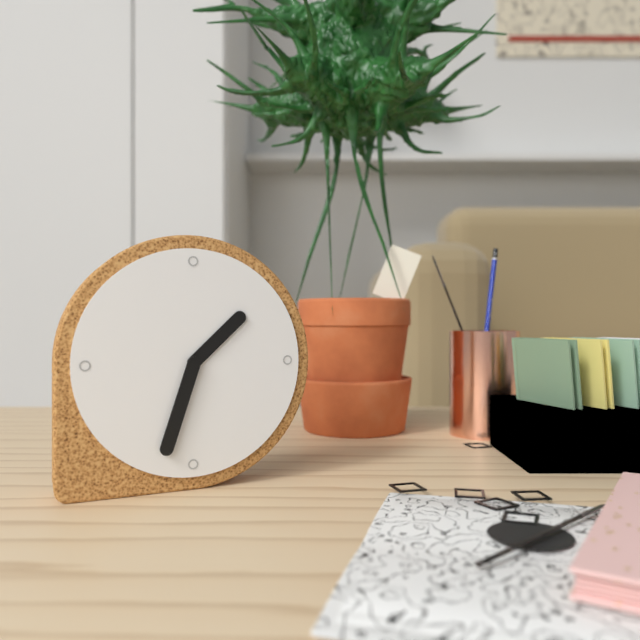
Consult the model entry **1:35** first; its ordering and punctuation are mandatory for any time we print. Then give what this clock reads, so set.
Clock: **1:33**
